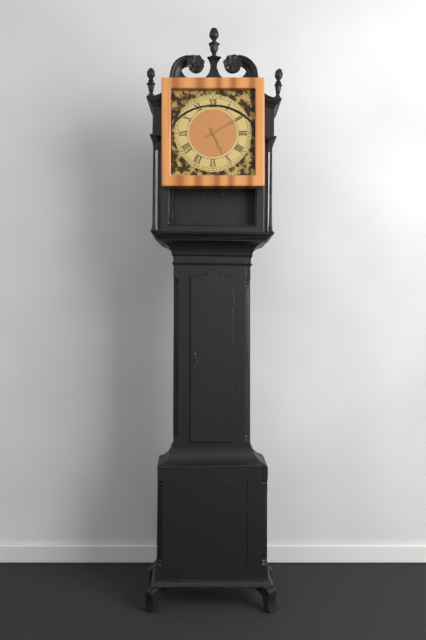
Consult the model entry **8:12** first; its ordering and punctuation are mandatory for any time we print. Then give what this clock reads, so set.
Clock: **5:10**
